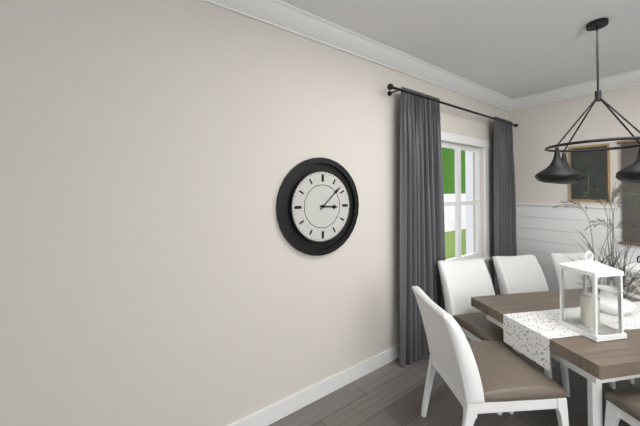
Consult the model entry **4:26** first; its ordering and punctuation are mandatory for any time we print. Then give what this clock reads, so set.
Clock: **3:08**
